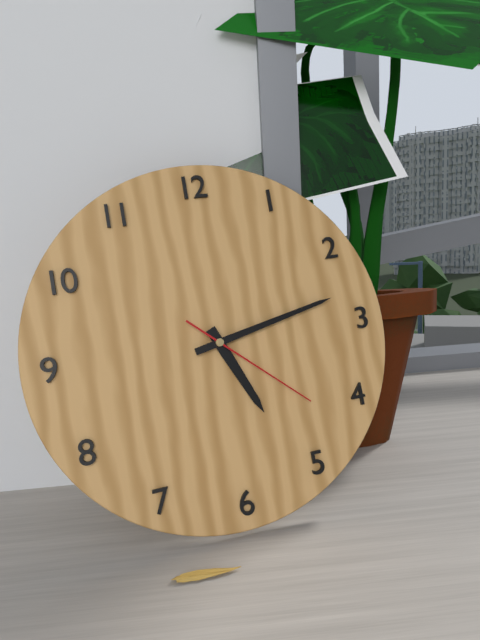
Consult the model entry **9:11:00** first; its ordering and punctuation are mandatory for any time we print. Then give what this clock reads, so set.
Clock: **5:13:22**
